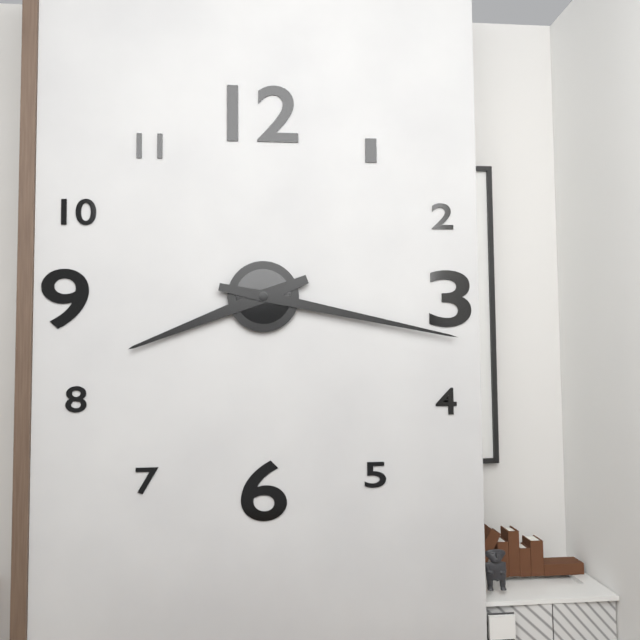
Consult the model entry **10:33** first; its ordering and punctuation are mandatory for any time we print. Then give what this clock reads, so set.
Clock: **8:17**
